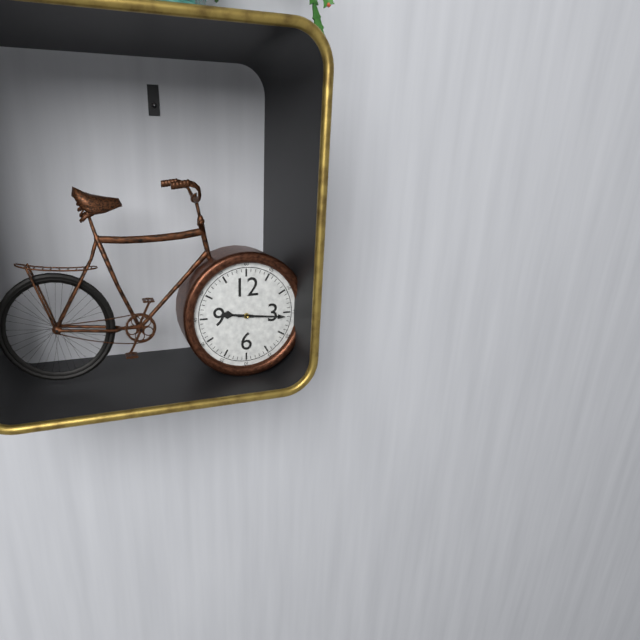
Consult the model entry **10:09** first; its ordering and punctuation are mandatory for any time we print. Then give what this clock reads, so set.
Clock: **9:16**
